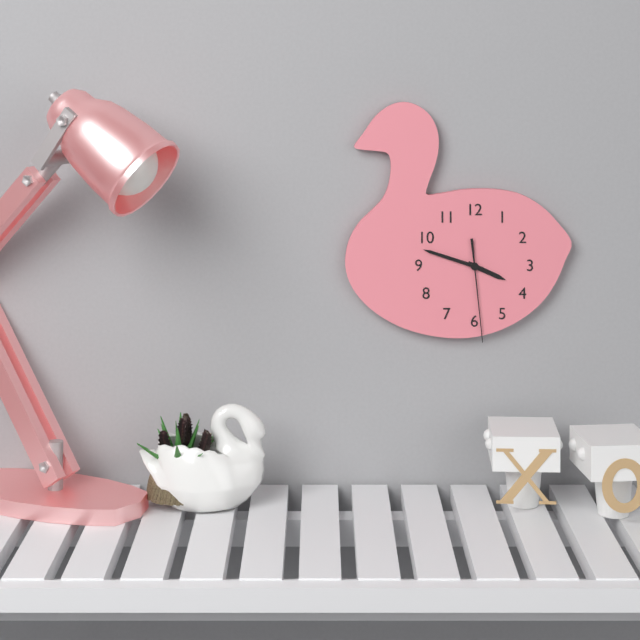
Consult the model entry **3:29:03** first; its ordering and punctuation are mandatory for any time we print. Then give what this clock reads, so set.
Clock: **3:48:29**
